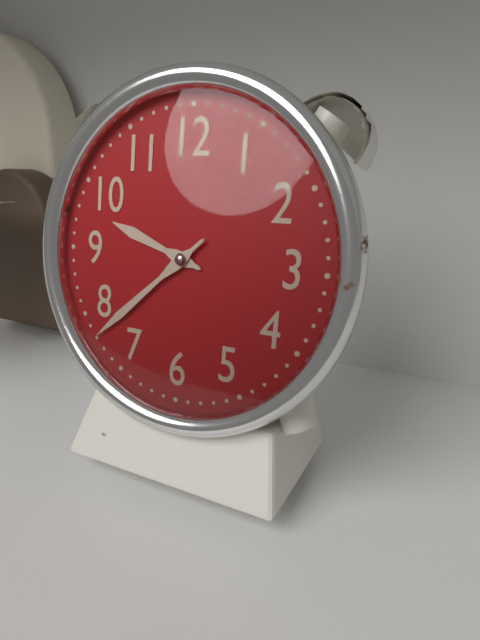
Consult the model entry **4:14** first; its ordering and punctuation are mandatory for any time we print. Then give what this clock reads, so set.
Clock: **9:38**
